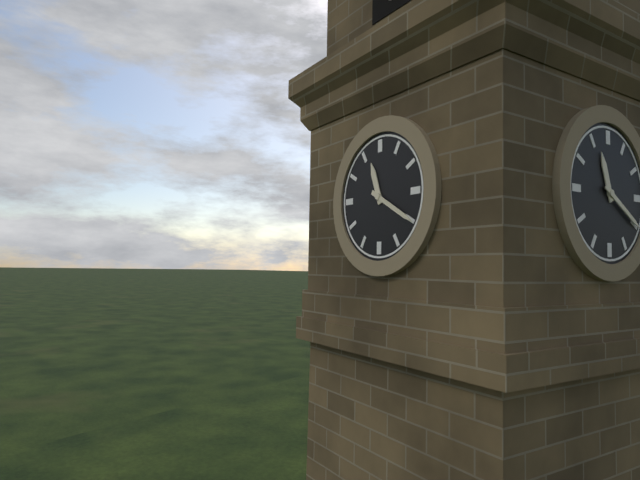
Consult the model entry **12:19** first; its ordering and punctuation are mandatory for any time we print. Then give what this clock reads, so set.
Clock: **11:20**
